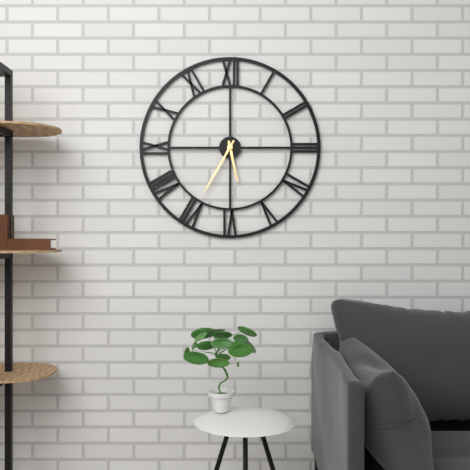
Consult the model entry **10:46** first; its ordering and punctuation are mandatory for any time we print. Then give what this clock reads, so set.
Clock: **5:35**
